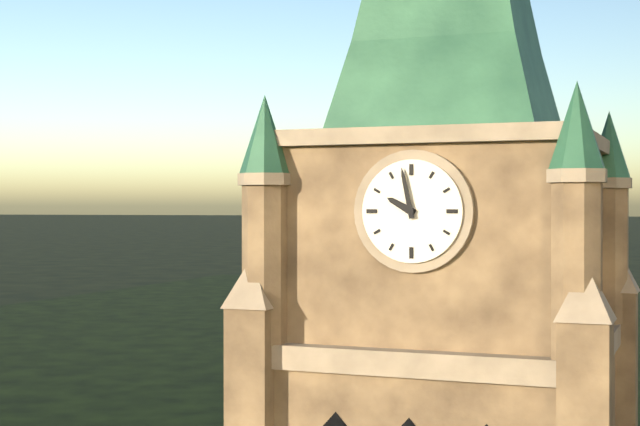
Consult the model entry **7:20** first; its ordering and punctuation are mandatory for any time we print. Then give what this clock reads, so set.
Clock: **9:58**
